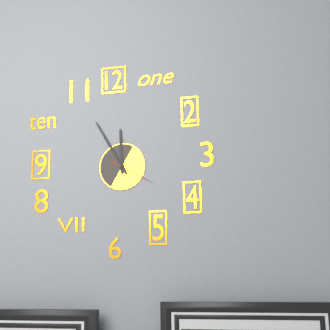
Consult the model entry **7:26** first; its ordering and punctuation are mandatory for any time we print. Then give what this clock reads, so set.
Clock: **11:55**
